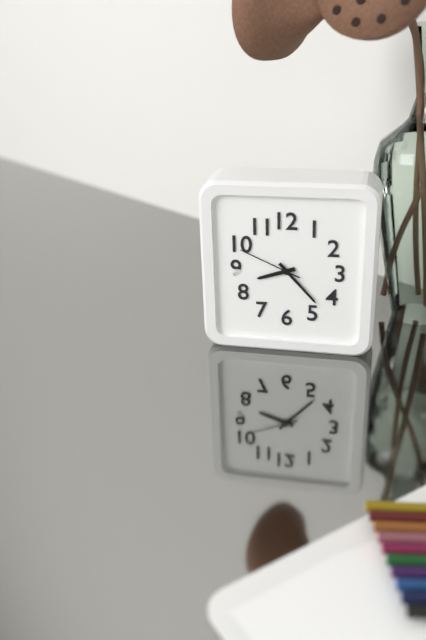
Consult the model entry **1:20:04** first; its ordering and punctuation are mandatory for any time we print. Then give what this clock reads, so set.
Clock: **8:23:49**
